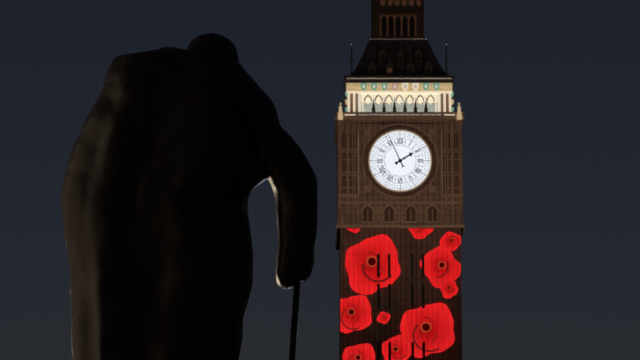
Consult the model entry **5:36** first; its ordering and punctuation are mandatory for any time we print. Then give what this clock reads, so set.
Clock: **1:56**
